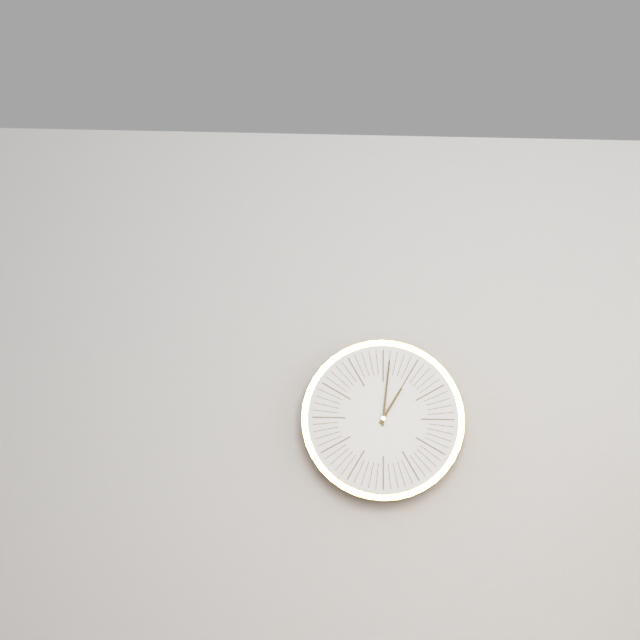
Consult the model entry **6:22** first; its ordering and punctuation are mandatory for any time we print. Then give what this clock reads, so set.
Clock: **1:01**
